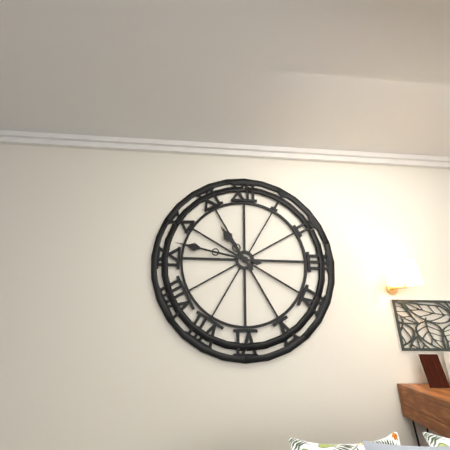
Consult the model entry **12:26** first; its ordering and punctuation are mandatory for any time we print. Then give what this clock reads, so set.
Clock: **10:47**
